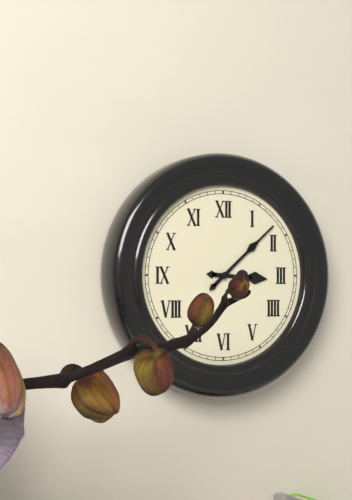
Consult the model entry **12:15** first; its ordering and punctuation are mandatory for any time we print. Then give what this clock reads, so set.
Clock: **3:08**
